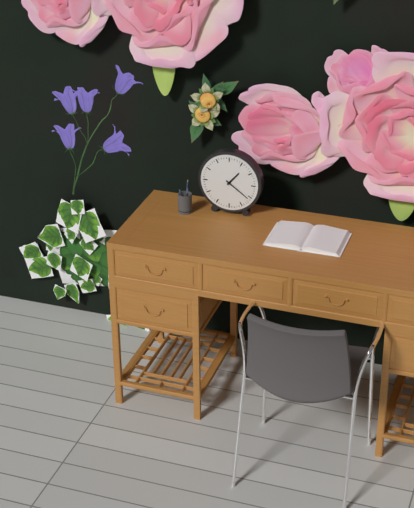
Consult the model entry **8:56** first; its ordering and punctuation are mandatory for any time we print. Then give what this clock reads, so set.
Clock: **1:21**
